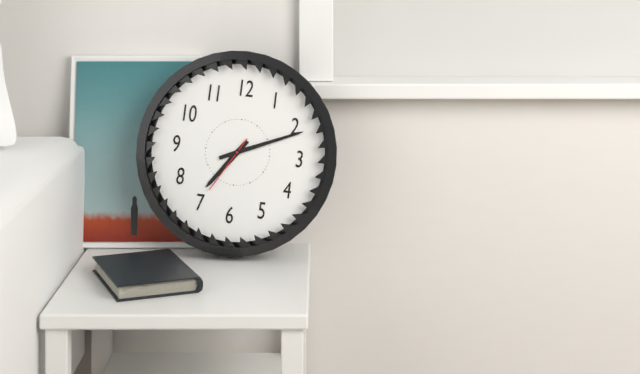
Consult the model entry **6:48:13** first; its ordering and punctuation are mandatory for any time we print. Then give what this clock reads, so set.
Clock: **7:11:35**
